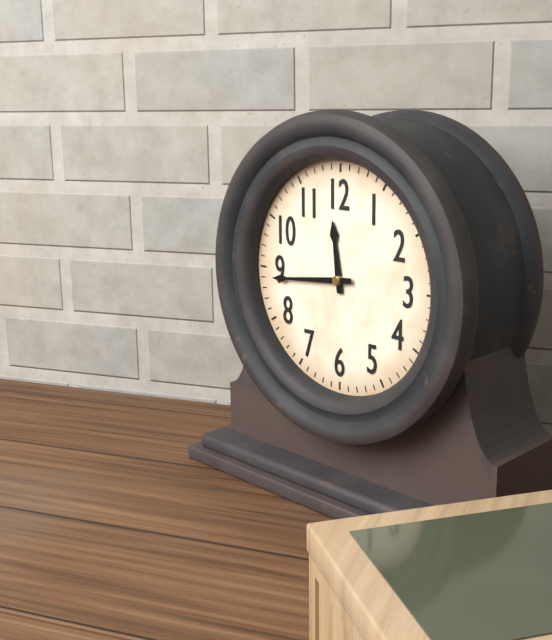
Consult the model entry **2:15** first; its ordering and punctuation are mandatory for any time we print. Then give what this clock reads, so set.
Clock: **11:44**
